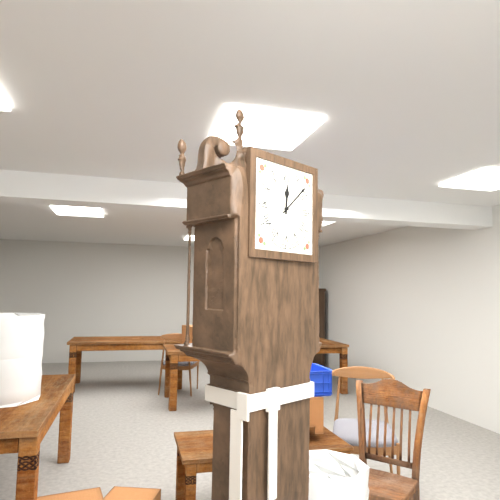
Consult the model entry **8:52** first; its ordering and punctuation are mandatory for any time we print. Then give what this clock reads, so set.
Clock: **12:08**
